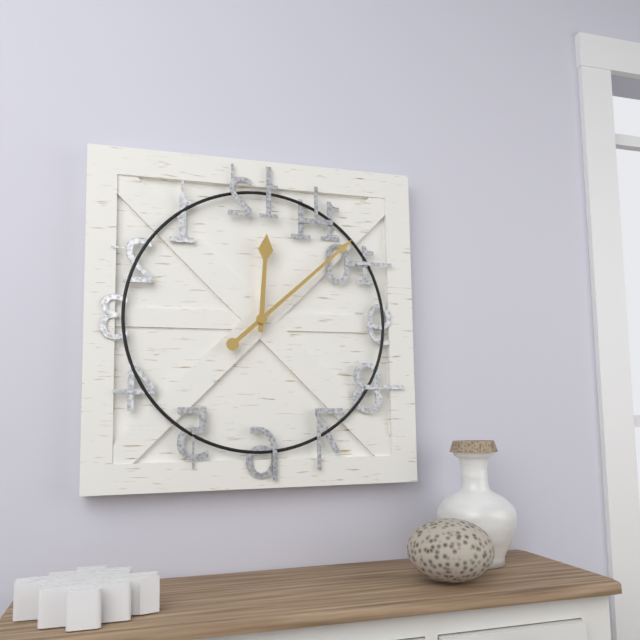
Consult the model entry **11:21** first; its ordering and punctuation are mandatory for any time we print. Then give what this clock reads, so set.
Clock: **12:08**
